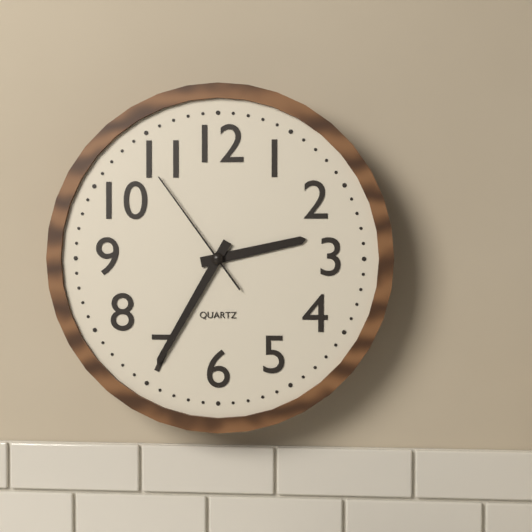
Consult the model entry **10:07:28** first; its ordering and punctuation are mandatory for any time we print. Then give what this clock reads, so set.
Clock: **2:35:54**
